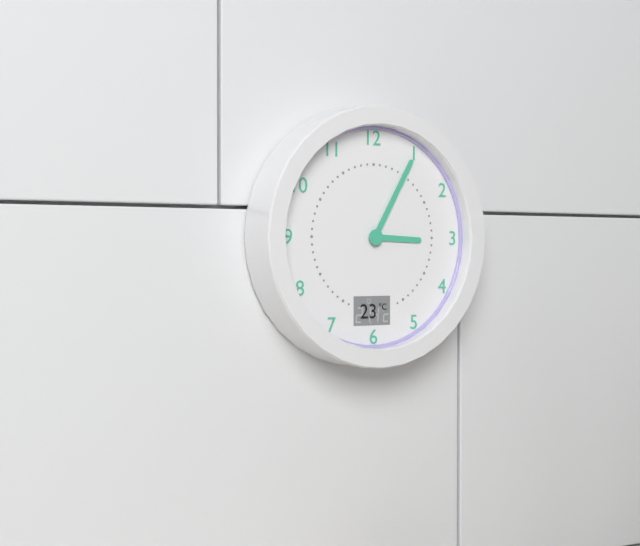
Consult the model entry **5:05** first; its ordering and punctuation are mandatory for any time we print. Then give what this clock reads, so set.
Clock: **3:05**
